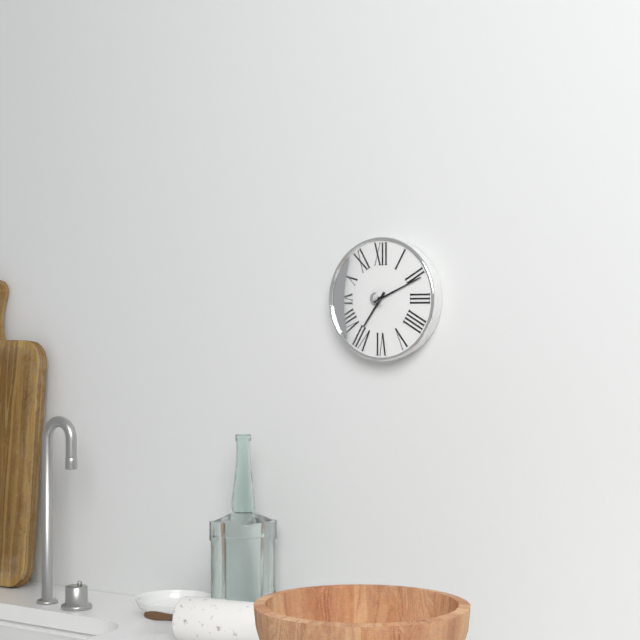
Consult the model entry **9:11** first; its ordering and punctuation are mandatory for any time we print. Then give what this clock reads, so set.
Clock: **7:11**
